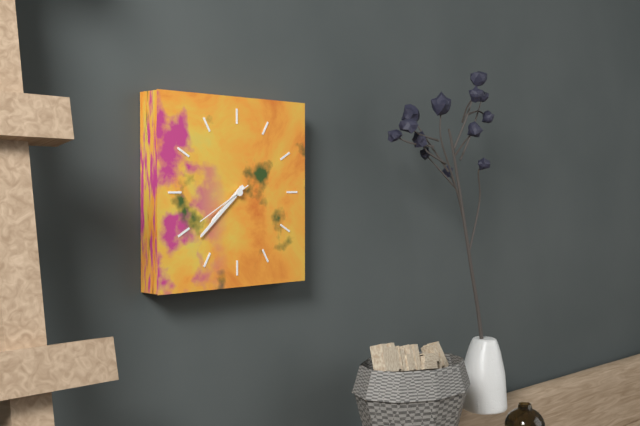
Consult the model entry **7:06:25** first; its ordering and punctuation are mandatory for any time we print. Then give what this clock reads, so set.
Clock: **7:38:40**
